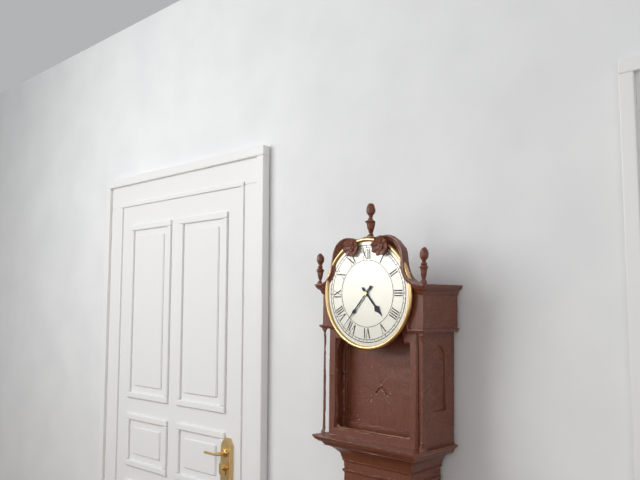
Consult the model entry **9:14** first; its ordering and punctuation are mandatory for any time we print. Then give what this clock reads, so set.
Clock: **4:37**
